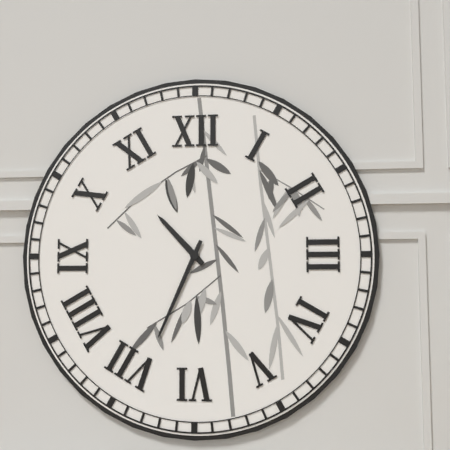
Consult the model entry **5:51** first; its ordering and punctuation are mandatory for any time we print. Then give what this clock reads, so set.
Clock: **10:34**
